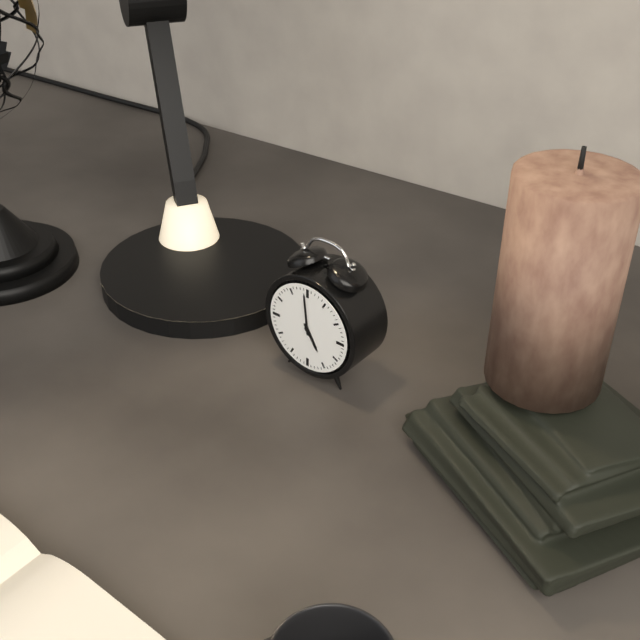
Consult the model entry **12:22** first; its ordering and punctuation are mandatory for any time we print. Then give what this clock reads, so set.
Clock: **4:59**
